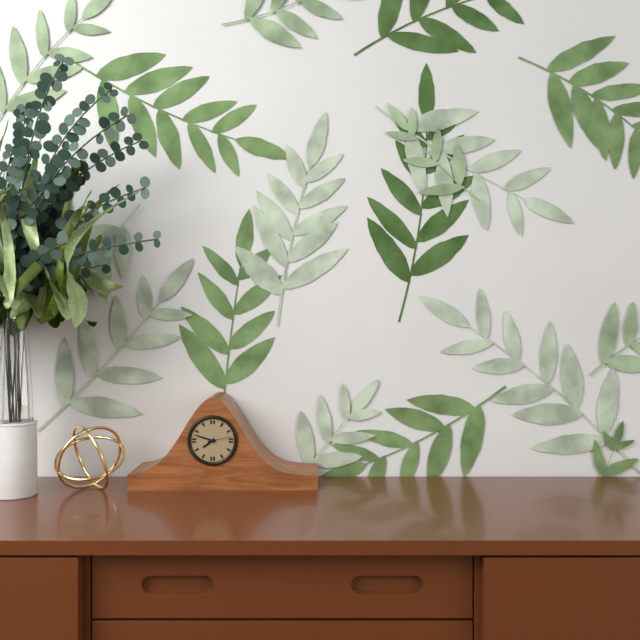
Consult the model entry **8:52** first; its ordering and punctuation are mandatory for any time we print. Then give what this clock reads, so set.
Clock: **7:48**
